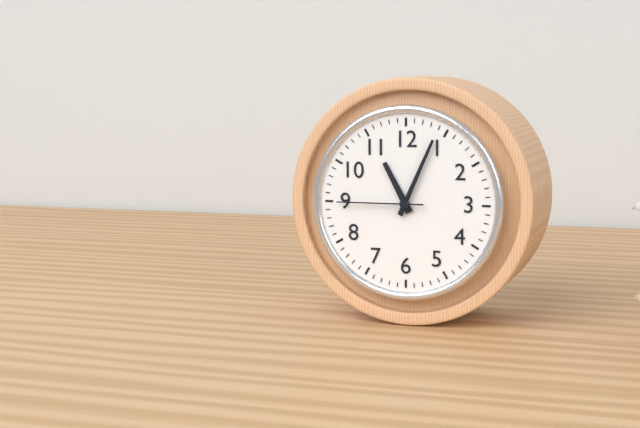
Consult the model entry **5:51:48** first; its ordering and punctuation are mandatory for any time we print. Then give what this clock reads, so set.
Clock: **11:04:45**
